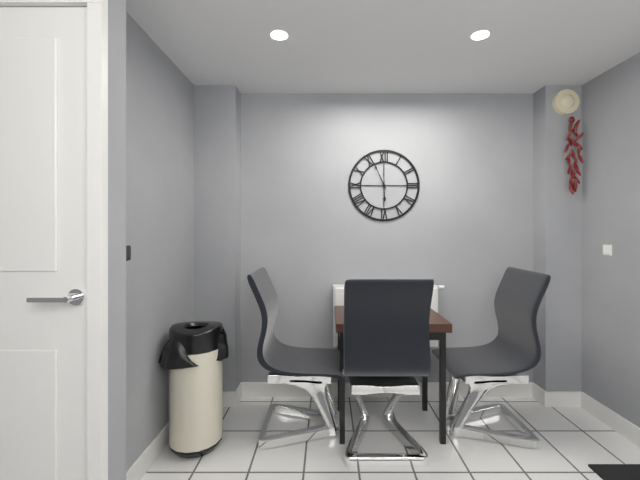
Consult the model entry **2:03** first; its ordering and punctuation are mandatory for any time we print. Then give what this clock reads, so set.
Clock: **5:56**
